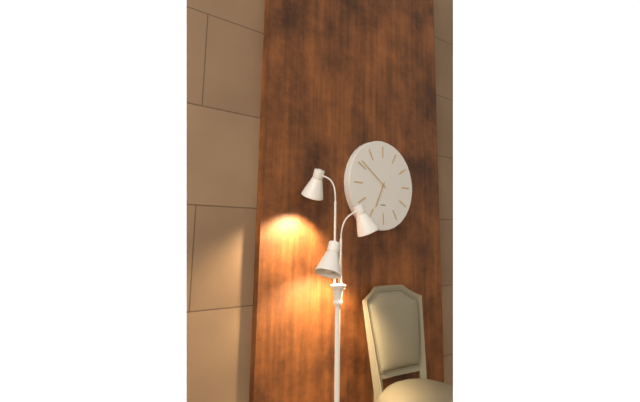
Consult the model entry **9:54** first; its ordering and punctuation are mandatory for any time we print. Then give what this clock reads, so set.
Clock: **6:51**
